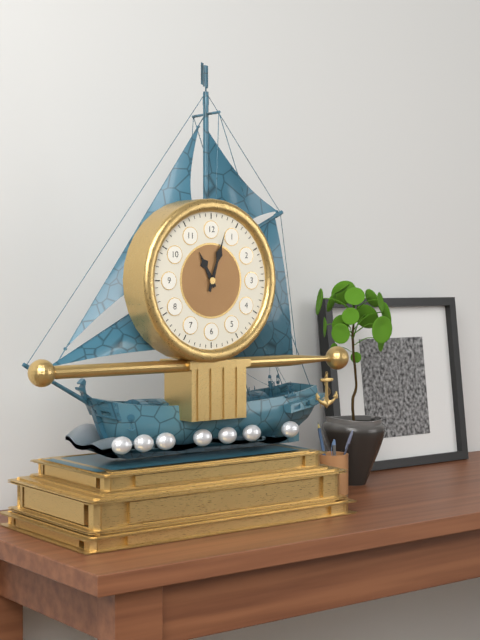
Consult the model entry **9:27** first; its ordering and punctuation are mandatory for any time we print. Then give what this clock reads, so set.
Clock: **11:03**
